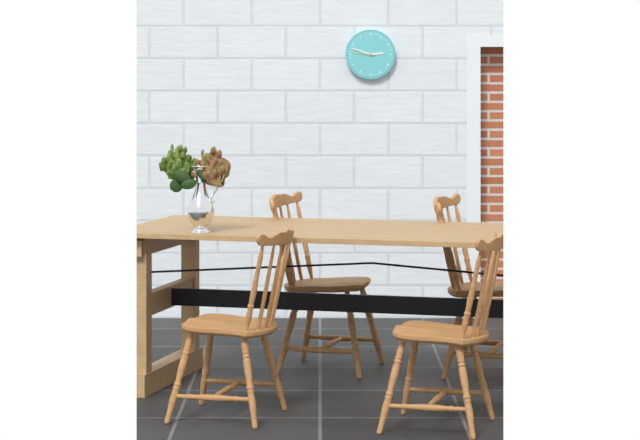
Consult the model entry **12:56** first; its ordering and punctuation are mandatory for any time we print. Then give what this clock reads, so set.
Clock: **2:48**
